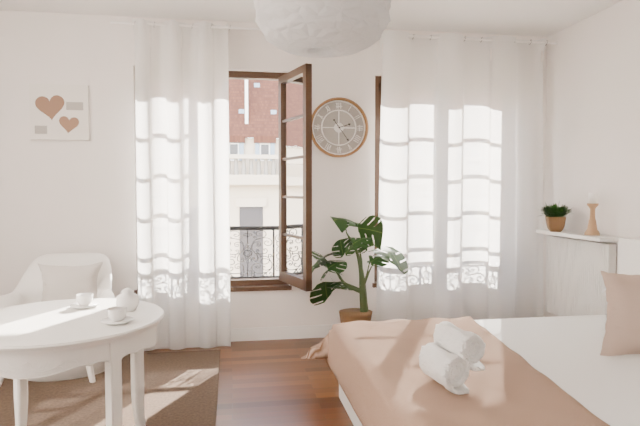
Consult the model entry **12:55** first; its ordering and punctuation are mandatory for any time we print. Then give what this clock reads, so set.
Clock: **2:24**
